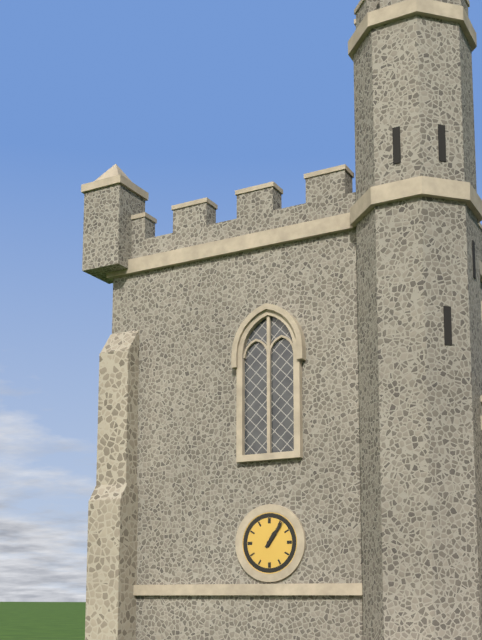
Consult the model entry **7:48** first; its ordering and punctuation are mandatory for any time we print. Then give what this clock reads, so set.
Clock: **1:06**
